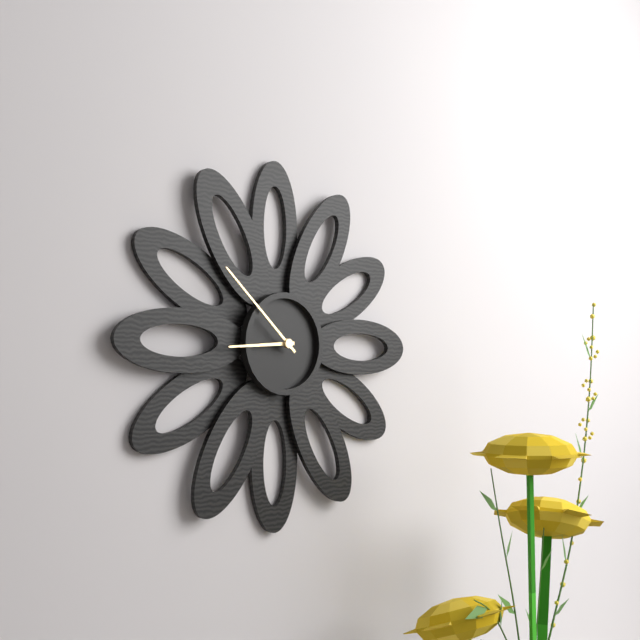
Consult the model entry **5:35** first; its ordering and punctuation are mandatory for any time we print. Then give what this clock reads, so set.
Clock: **8:52**
